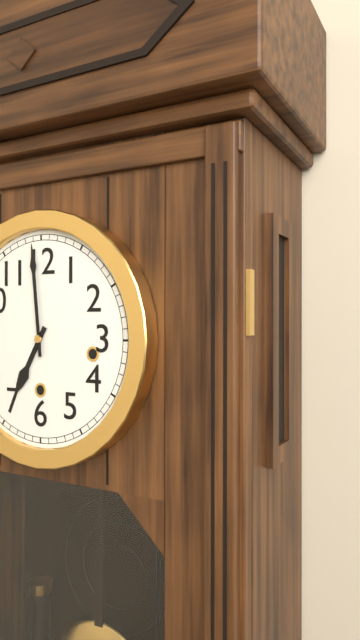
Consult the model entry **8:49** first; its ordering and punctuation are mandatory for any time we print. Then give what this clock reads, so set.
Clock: **6:59**
